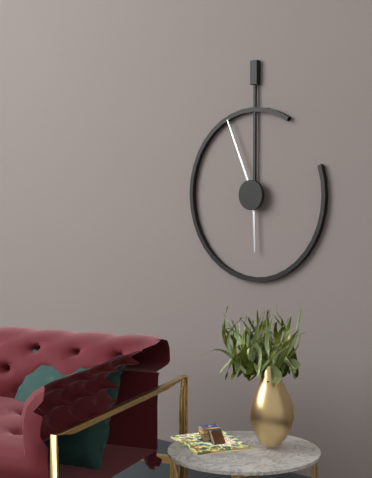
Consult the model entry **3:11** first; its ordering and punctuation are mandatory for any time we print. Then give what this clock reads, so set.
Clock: **5:56**
